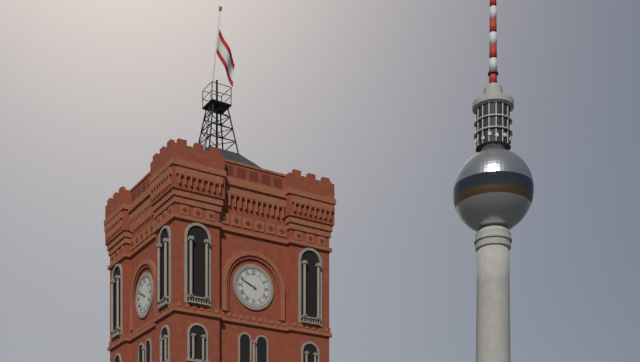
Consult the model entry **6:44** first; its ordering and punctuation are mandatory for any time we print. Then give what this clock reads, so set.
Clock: **9:49**
